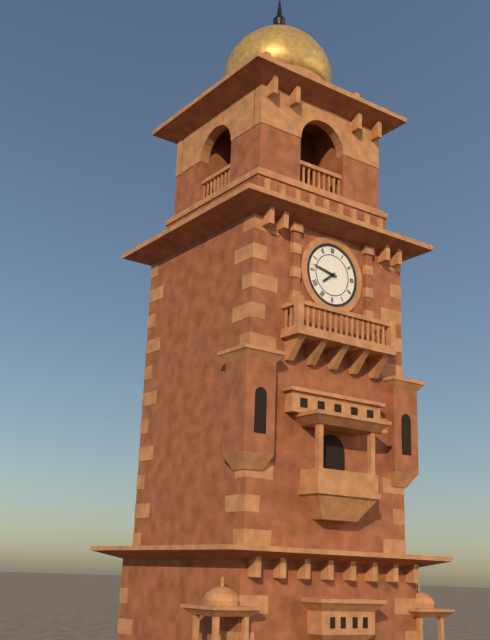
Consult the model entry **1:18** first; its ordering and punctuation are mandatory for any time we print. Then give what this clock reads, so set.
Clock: **7:47**
